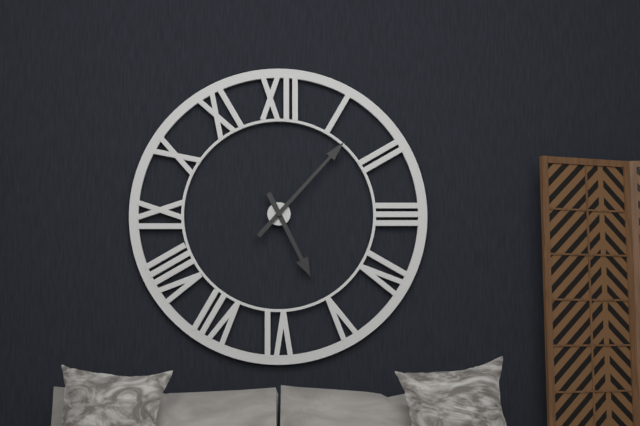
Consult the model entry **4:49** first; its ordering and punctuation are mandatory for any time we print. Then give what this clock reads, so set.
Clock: **5:07**
